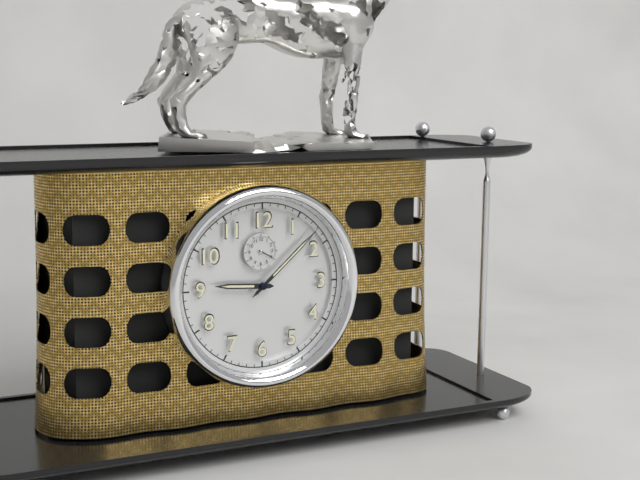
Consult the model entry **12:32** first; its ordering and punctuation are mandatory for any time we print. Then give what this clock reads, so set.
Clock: **9:08**
